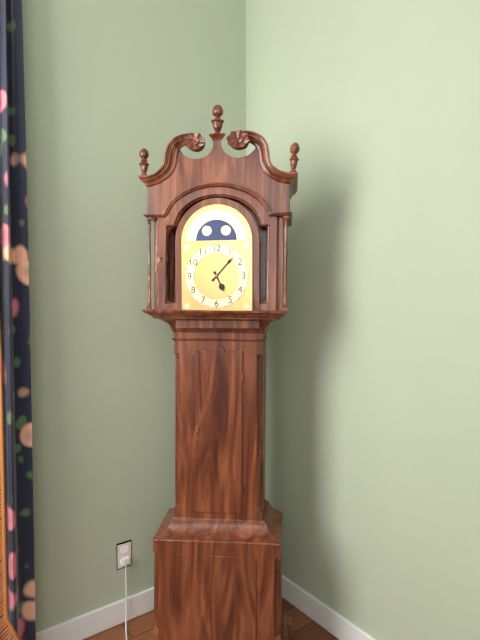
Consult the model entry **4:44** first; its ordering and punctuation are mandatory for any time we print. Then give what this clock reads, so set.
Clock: **5:07**
